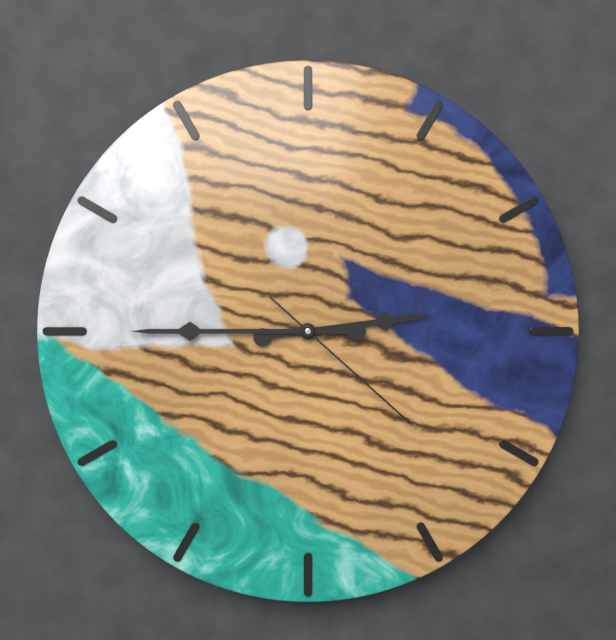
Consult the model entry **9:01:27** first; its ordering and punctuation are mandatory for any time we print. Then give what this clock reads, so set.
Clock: **2:45:22**
